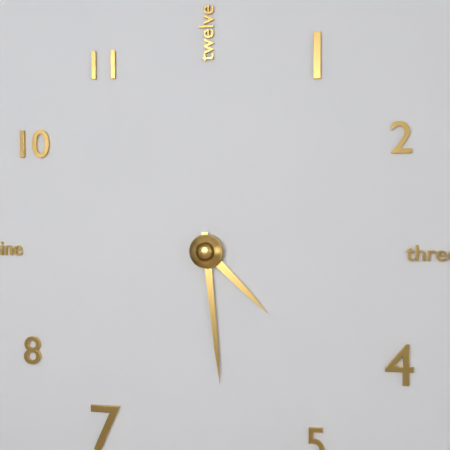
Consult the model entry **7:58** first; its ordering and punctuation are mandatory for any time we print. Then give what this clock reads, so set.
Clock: **4:29**
